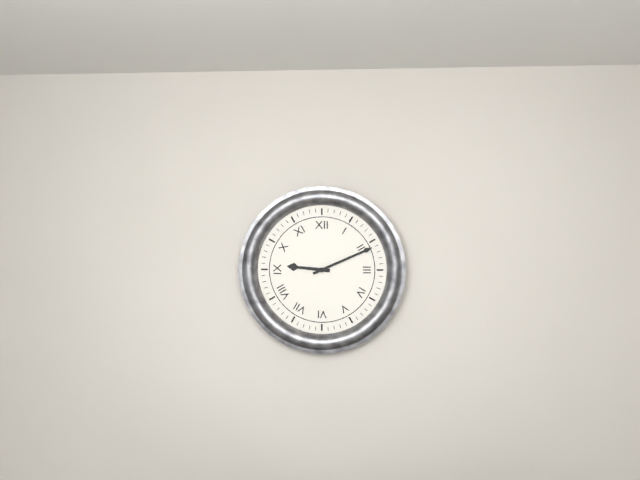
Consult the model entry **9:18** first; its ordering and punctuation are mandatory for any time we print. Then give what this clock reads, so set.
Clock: **9:11**
